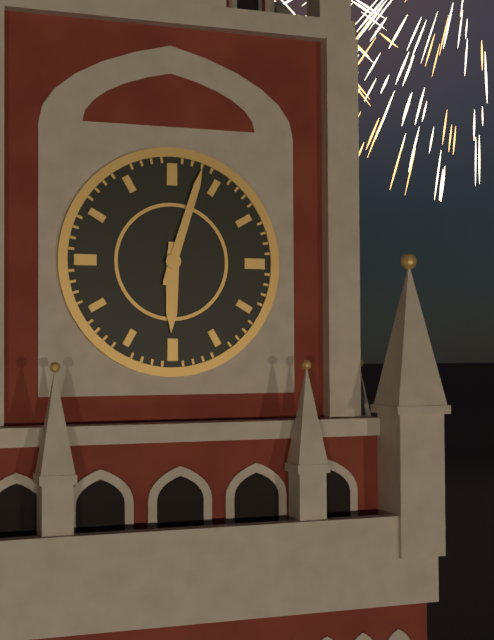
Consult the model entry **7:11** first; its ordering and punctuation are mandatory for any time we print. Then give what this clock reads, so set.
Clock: **6:03**
